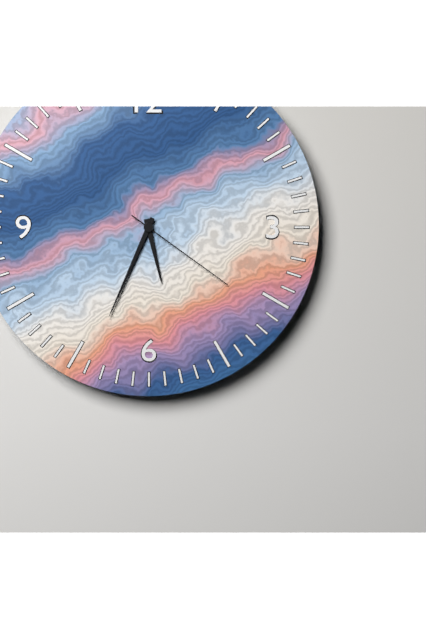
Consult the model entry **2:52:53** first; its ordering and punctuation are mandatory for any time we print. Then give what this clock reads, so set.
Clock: **5:34:21**
